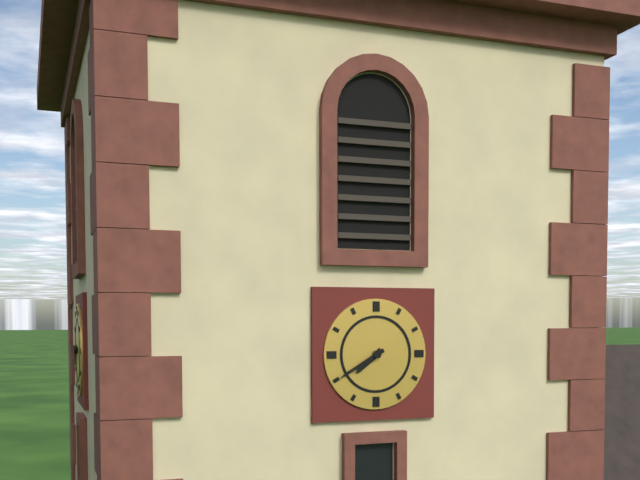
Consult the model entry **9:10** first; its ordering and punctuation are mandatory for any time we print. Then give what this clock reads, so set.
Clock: **7:40**
